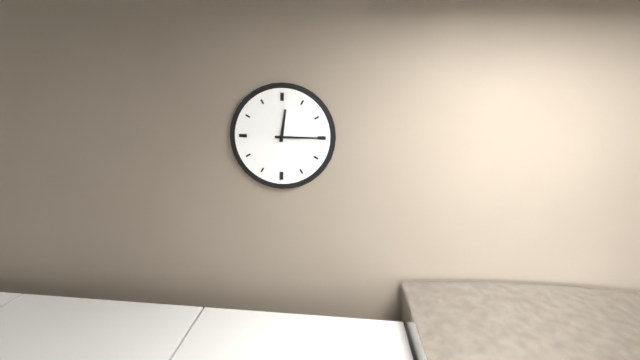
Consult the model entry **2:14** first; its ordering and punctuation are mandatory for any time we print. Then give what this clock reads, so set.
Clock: **12:15**
